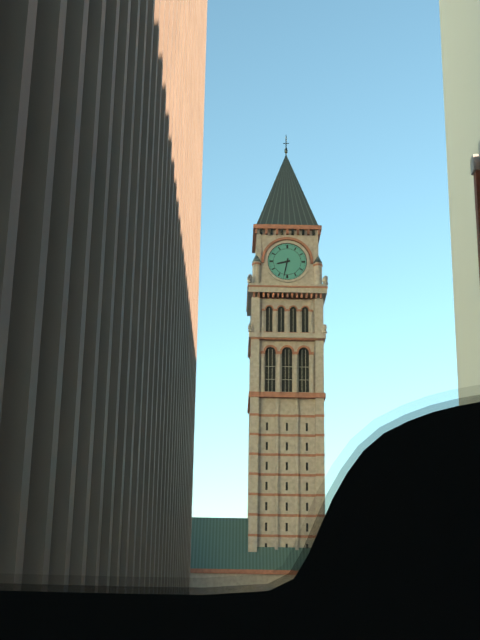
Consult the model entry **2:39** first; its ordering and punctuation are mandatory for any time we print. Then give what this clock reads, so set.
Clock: **8:32**
